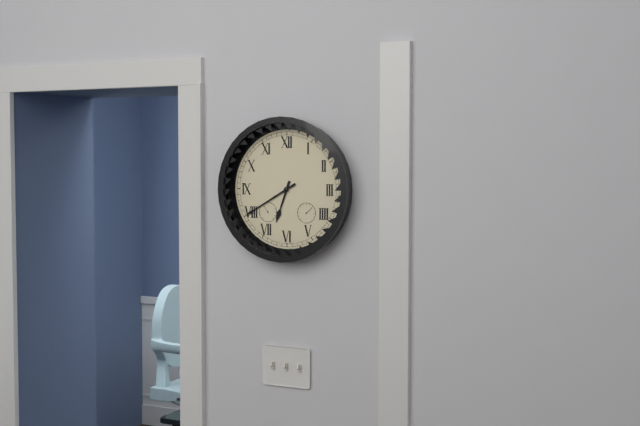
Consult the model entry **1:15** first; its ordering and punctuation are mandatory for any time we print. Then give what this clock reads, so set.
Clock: **6:40**
